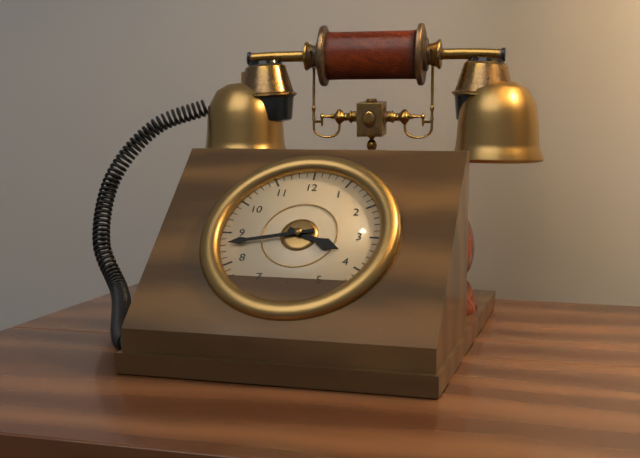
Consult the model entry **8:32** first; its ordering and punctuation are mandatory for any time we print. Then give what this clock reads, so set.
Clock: **3:43**
